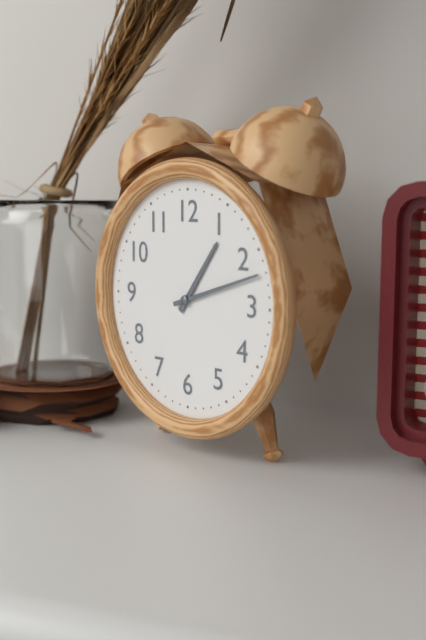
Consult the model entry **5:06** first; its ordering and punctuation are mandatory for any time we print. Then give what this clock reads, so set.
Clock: **1:12**
